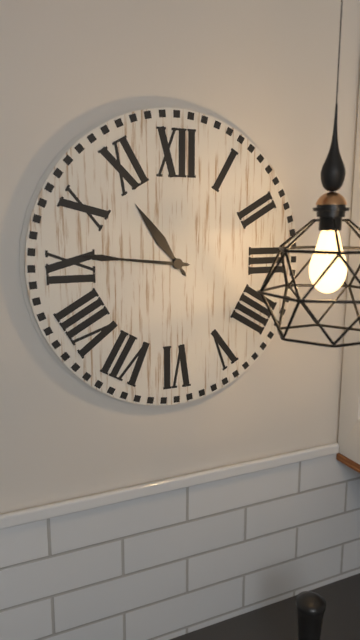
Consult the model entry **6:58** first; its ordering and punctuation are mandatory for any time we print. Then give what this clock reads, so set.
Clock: **10:46**
